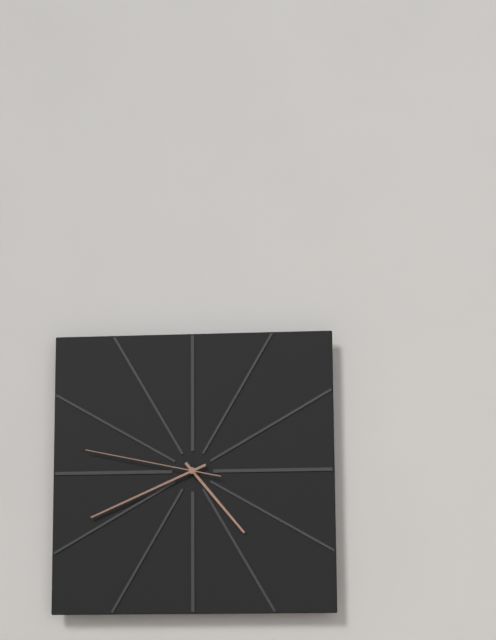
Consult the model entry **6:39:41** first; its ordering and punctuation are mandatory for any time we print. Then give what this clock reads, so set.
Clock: **4:41:47**
